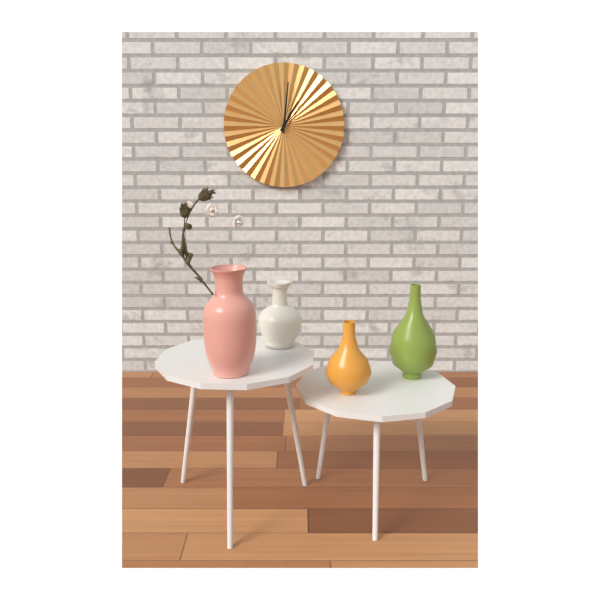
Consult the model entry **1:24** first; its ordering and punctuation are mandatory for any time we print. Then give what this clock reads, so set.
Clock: **1:01**
